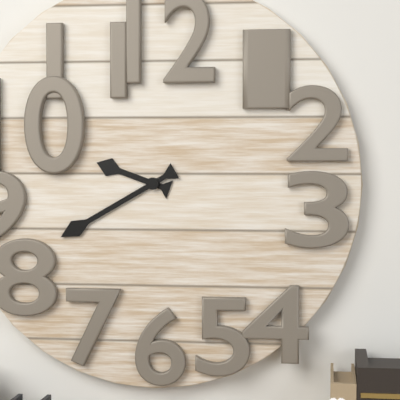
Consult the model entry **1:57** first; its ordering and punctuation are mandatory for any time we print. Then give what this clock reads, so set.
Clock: **9:40**
